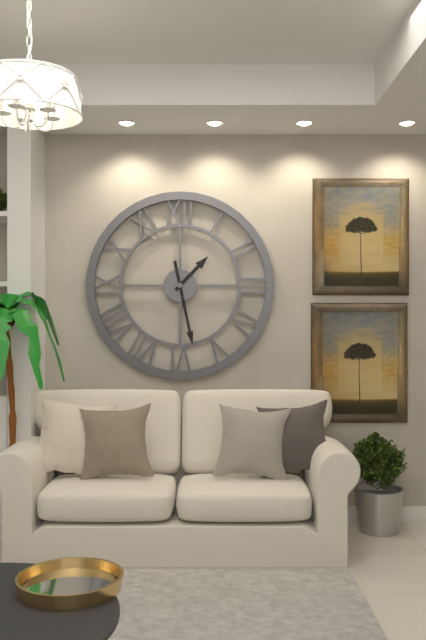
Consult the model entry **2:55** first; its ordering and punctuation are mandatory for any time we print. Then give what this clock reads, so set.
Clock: **1:28**
